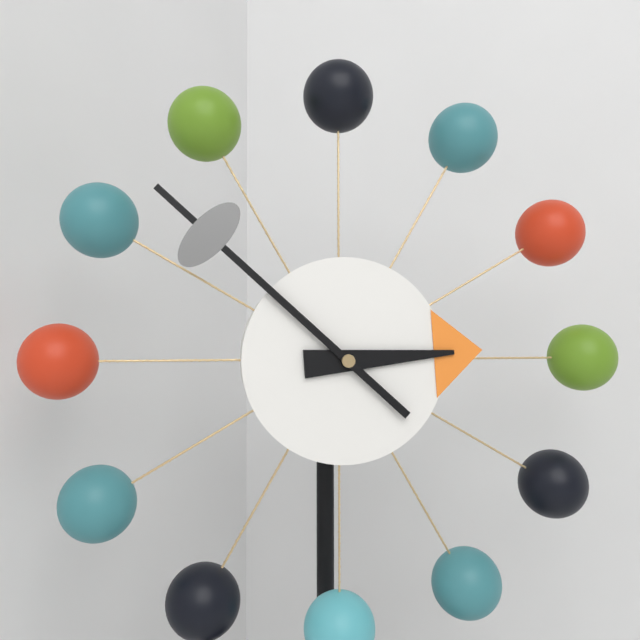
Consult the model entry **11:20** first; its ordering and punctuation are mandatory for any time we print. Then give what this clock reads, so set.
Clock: **2:52**
